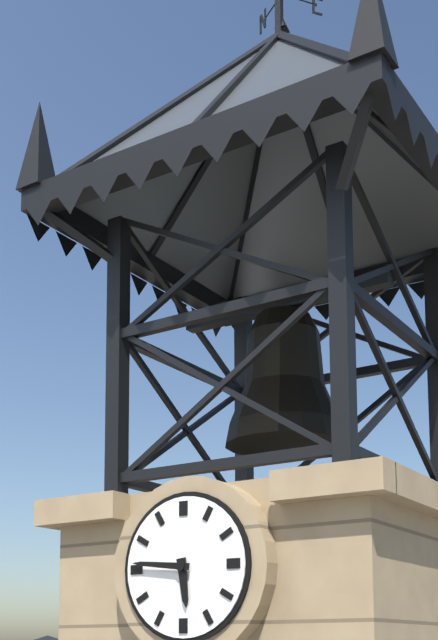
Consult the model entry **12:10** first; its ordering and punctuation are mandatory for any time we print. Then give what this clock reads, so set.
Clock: **5:46**
